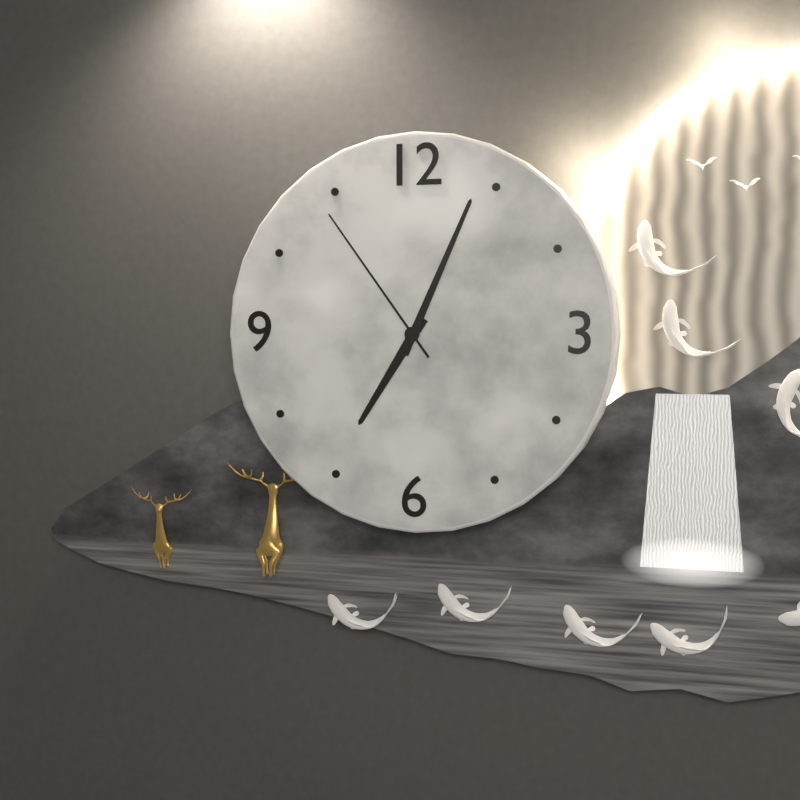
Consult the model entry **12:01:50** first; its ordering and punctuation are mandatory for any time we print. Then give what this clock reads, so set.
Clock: **7:04:54**
